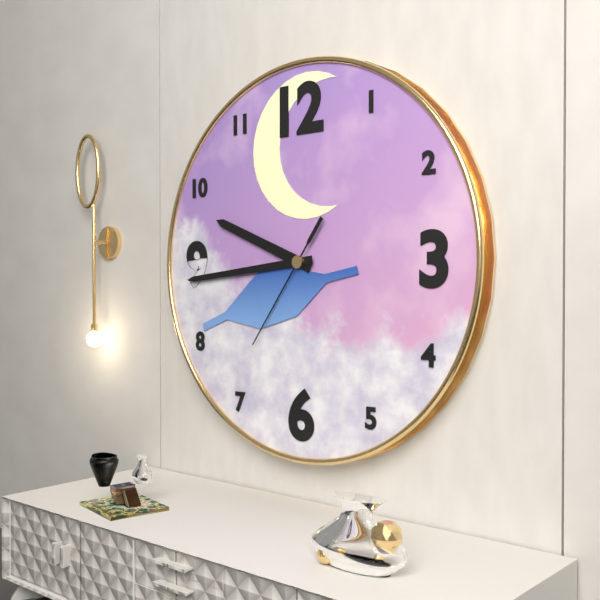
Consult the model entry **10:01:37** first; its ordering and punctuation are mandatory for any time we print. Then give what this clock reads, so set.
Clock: **9:44:36**
